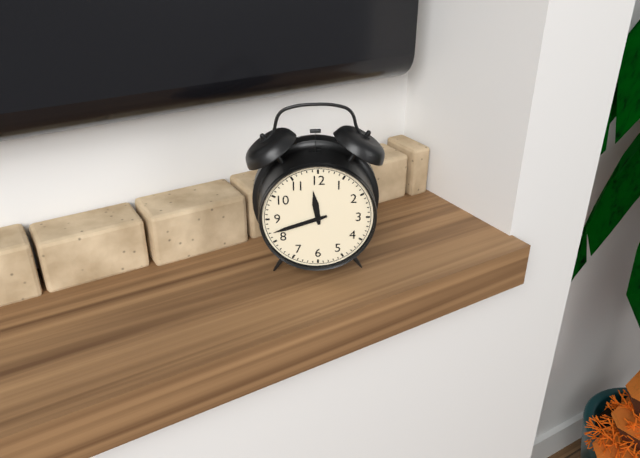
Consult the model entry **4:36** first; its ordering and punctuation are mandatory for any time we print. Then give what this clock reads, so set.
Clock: **11:42**
